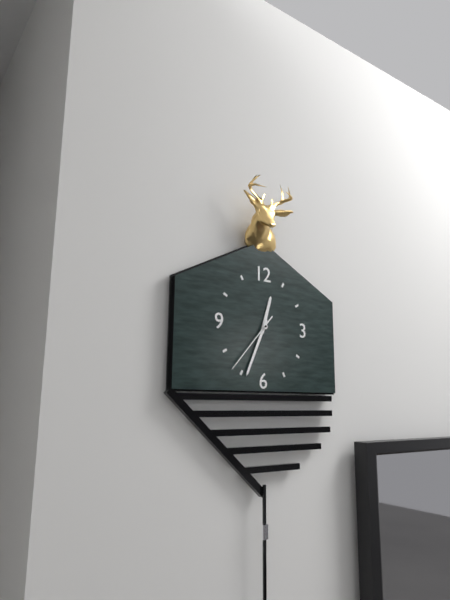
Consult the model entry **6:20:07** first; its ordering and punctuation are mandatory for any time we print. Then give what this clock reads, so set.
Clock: **12:34:37**
